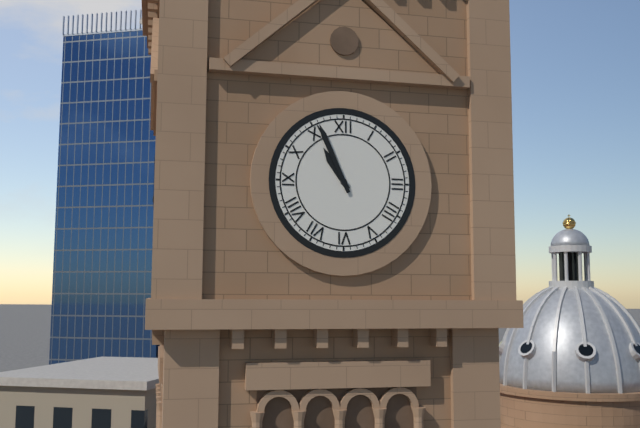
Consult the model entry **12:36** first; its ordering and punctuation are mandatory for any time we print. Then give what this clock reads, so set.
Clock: **10:56**
